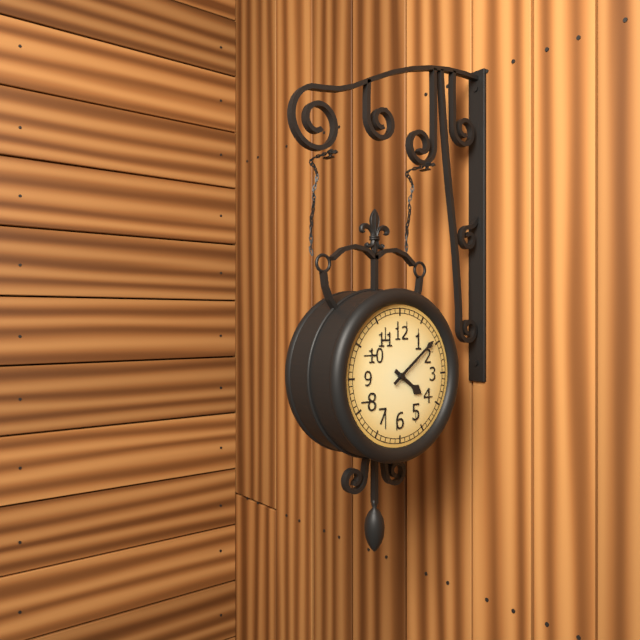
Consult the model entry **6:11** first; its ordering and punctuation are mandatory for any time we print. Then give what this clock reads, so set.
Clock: **4:09**
